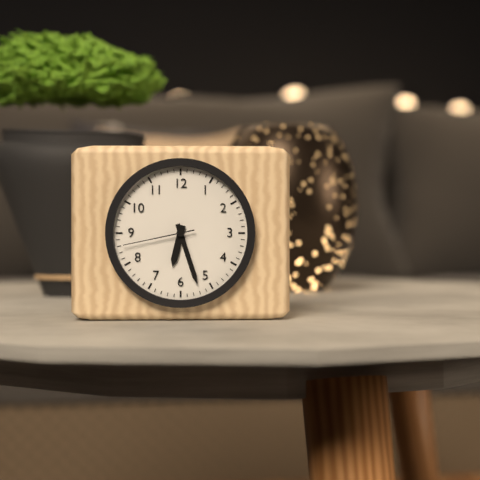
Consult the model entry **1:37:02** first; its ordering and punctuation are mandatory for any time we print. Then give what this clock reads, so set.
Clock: **6:27:43**
